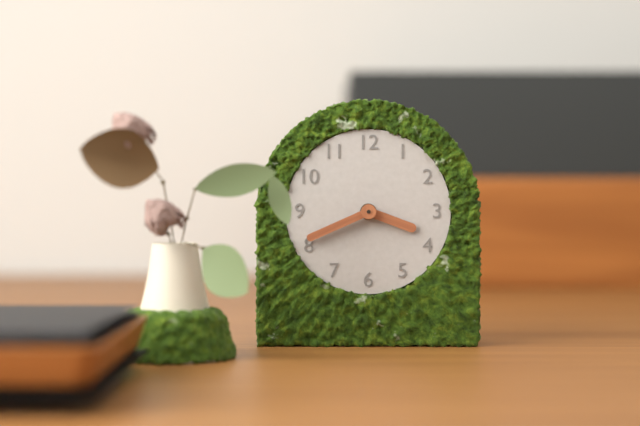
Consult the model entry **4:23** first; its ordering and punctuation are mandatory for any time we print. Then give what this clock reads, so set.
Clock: **3:41**
